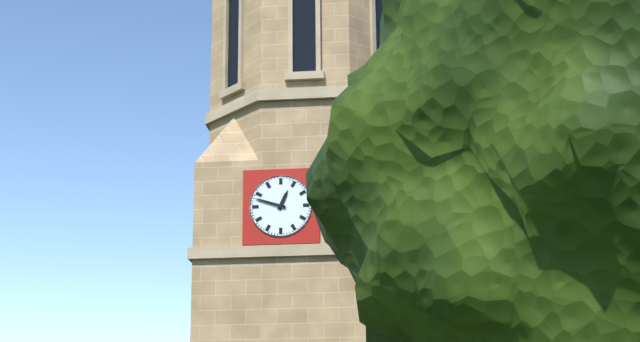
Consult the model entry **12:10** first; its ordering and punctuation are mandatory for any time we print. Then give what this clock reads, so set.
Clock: **12:48**
